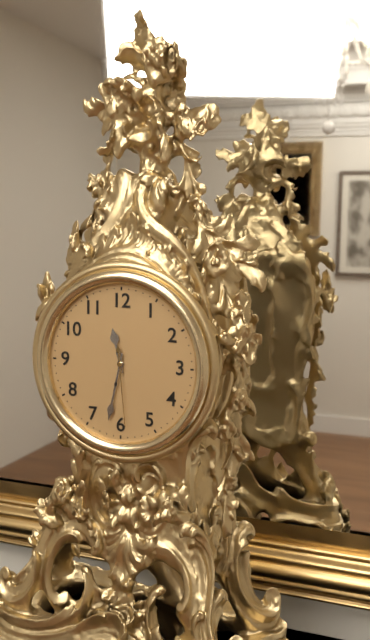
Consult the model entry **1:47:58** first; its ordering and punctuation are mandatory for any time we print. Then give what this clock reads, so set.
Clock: **11:32:29**
